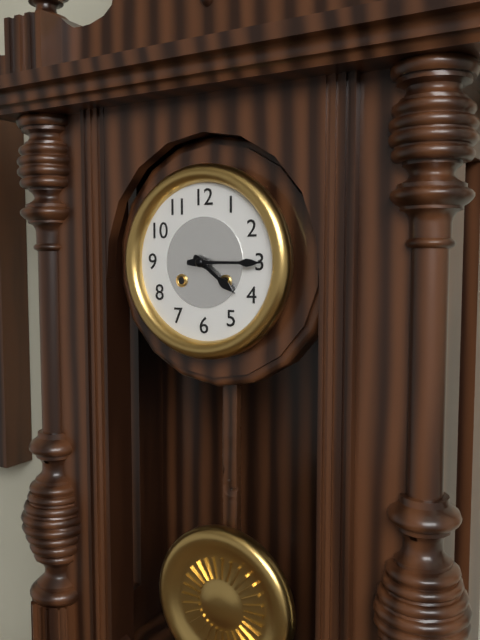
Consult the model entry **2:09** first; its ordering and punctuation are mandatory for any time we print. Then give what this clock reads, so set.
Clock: **4:15**
